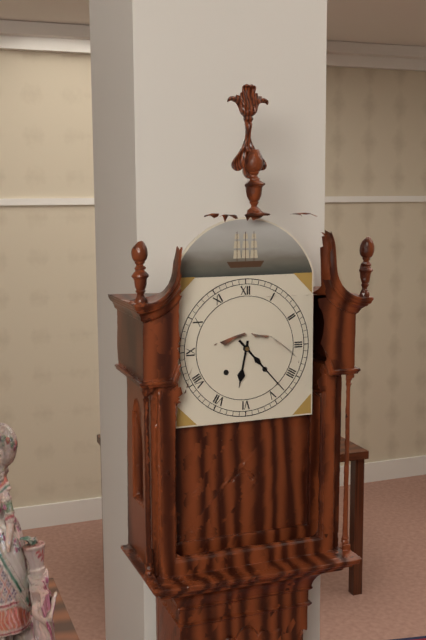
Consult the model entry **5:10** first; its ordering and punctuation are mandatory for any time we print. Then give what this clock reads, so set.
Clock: **6:23**
